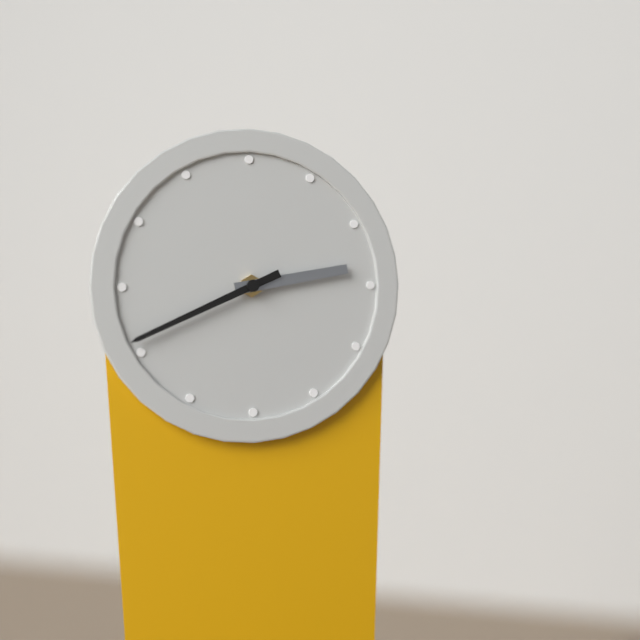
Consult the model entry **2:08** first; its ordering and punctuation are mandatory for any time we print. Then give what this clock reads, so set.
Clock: **2:41**
